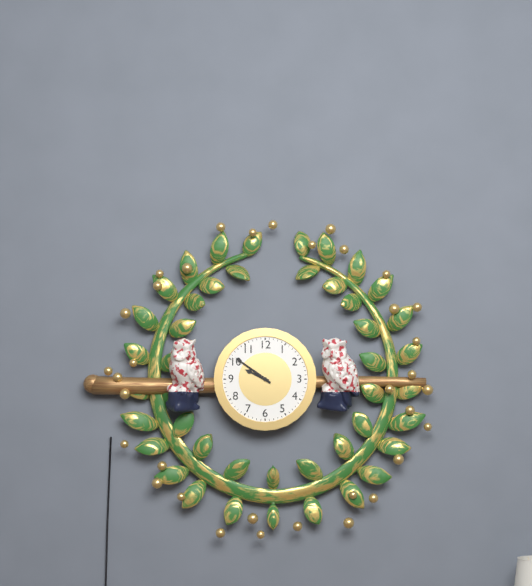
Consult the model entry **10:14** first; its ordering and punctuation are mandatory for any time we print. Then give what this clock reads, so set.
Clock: **9:51**
